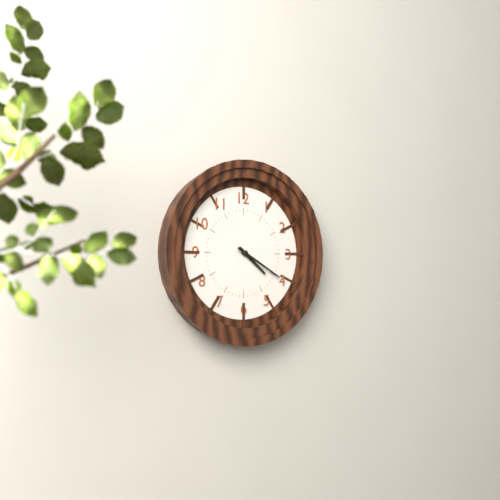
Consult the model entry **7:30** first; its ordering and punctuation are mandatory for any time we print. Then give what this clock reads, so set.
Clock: **4:20**
